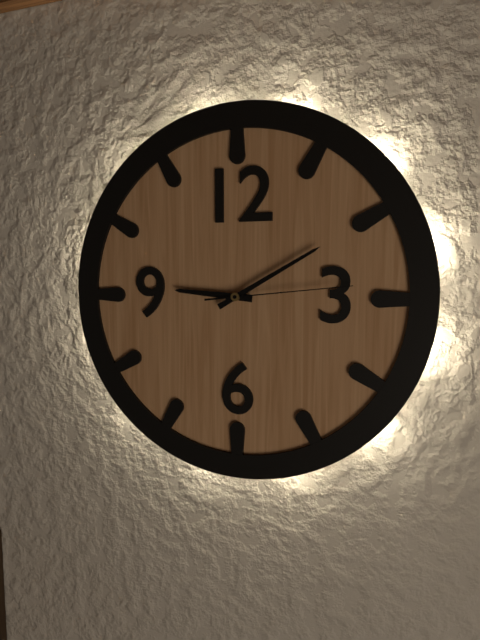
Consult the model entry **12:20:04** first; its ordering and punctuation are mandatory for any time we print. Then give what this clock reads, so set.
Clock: **9:10:14**
